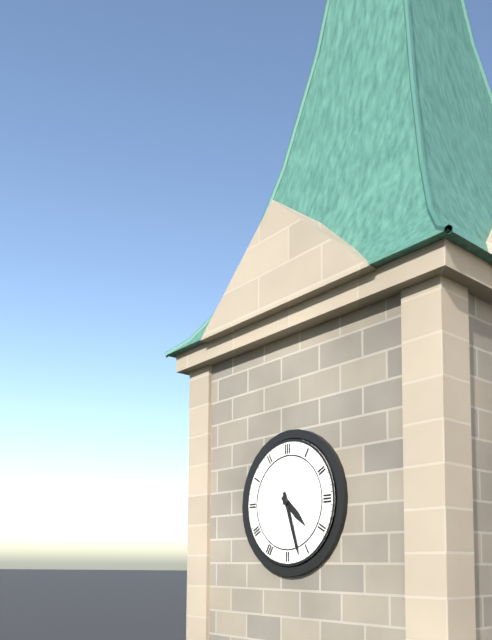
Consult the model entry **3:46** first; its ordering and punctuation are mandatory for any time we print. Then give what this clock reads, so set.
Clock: **4:27**
